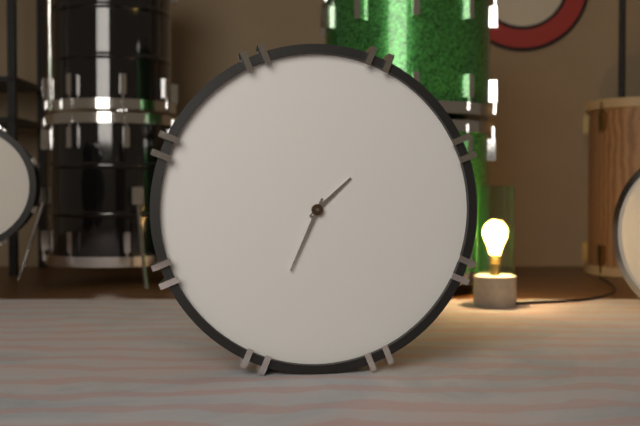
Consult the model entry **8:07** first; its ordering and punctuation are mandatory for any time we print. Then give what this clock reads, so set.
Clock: **1:34**
